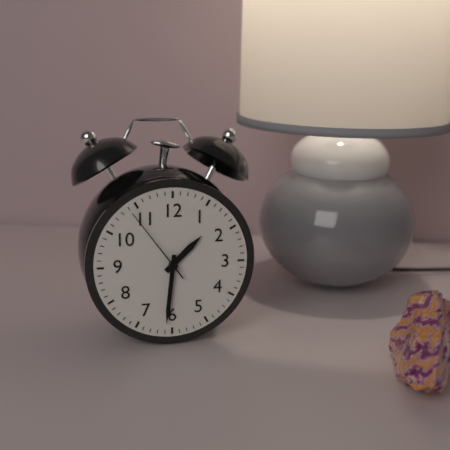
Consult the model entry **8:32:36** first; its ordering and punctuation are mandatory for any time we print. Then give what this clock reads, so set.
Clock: **1:31:54**
